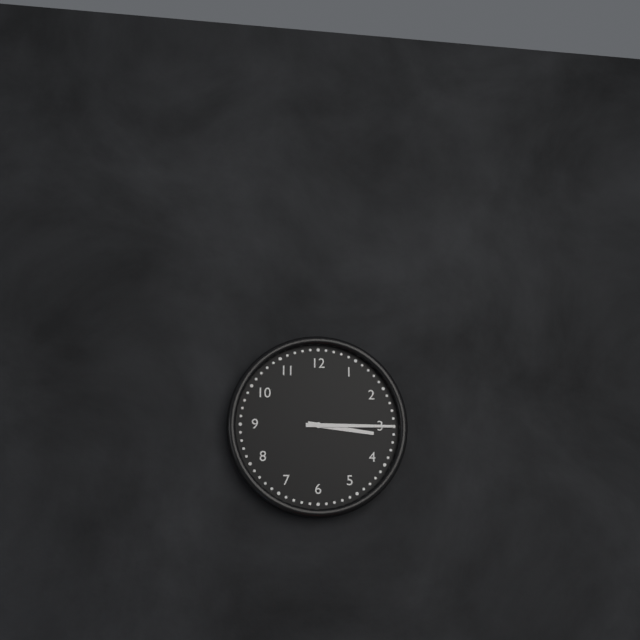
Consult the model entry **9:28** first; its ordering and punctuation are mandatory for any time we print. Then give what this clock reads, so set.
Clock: **3:15**
